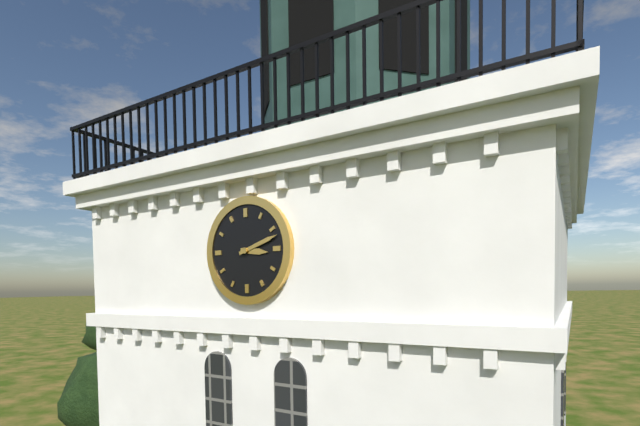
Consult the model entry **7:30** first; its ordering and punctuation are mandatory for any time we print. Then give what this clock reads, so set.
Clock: **3:12**
